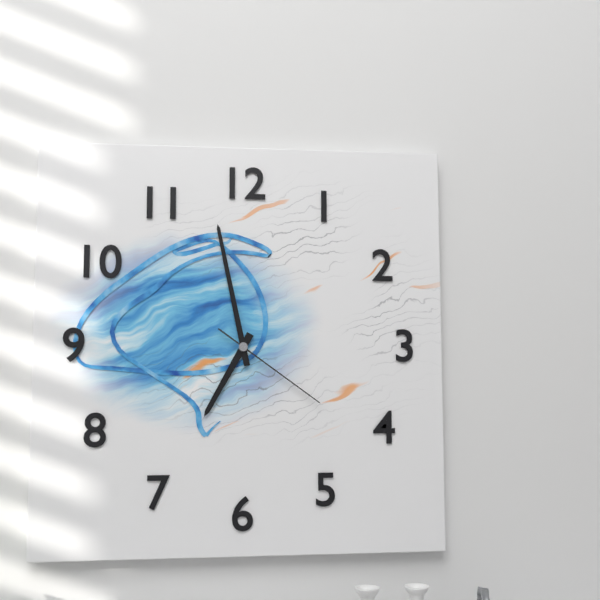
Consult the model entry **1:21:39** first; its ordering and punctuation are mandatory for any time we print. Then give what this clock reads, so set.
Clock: **6:58:21**
